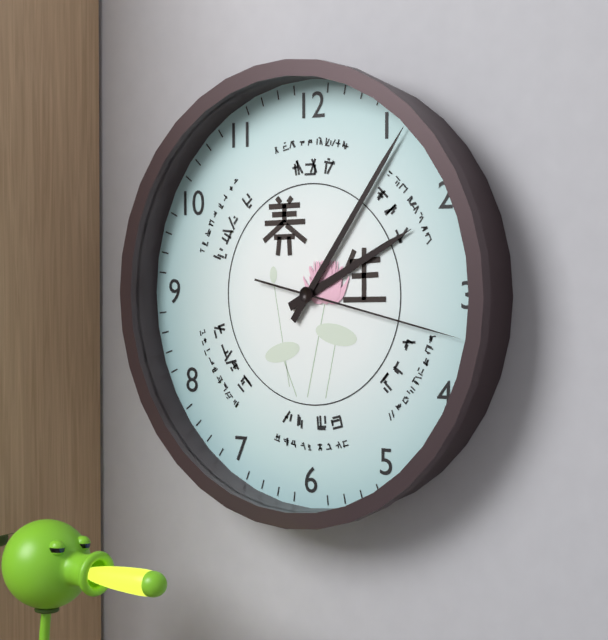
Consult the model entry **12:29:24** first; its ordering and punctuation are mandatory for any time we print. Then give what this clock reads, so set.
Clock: **2:06:17**
